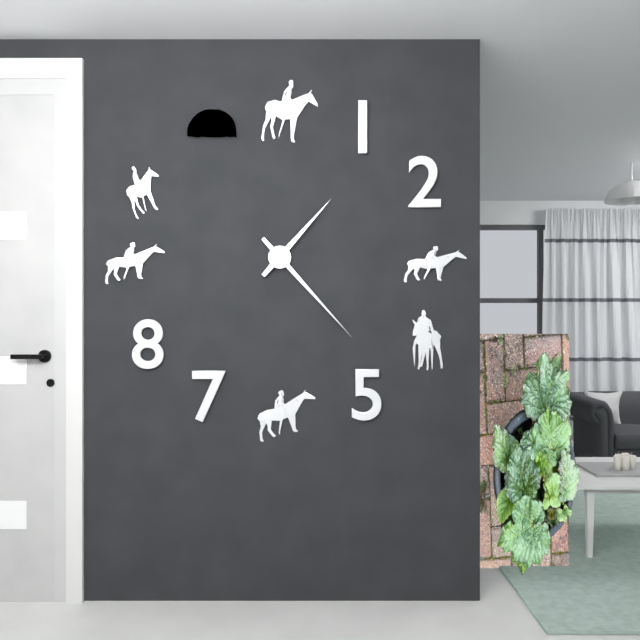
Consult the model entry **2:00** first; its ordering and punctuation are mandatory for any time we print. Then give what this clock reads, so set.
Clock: **1:23**
